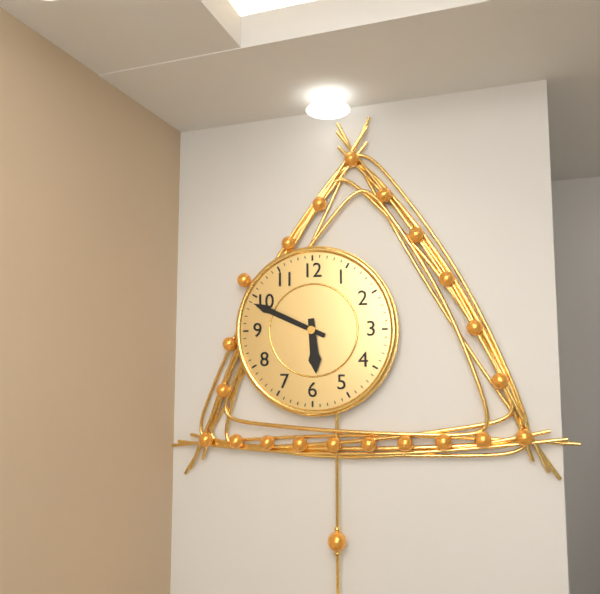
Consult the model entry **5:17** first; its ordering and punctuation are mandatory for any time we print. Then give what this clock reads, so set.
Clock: **5:49**
